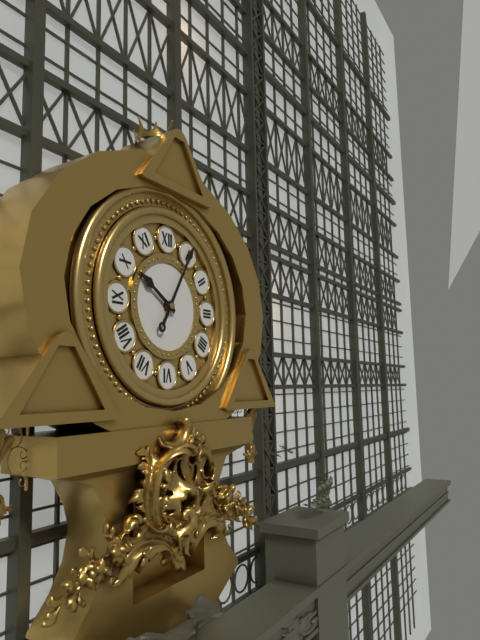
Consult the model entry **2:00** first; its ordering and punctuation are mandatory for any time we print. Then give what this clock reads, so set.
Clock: **10:05**
